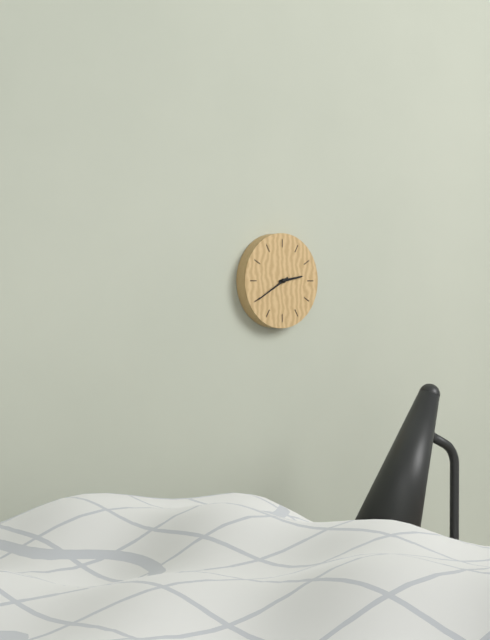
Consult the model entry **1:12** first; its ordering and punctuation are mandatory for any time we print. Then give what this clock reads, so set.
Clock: **2:40**
